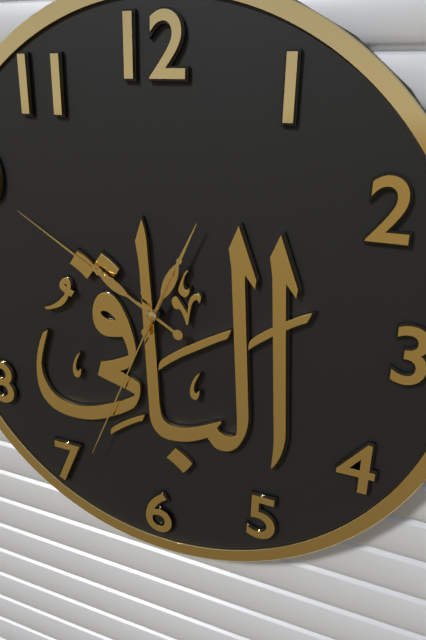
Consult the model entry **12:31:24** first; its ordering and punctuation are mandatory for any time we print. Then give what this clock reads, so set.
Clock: **12:50:34**
